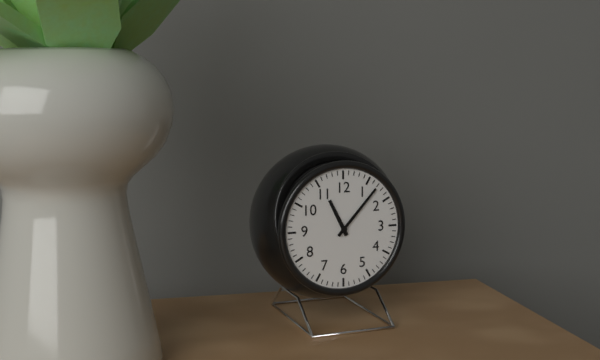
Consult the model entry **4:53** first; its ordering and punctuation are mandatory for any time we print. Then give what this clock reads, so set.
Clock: **11:07**
